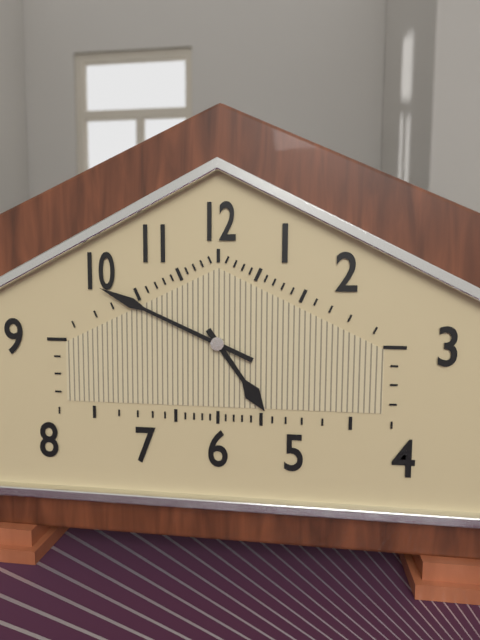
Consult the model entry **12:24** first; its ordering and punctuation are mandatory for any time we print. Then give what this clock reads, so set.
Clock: **4:49**
